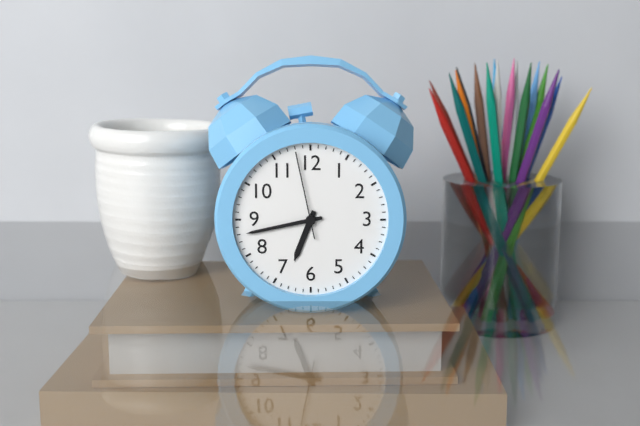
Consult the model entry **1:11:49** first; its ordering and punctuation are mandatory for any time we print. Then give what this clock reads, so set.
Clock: **6:43:58**
